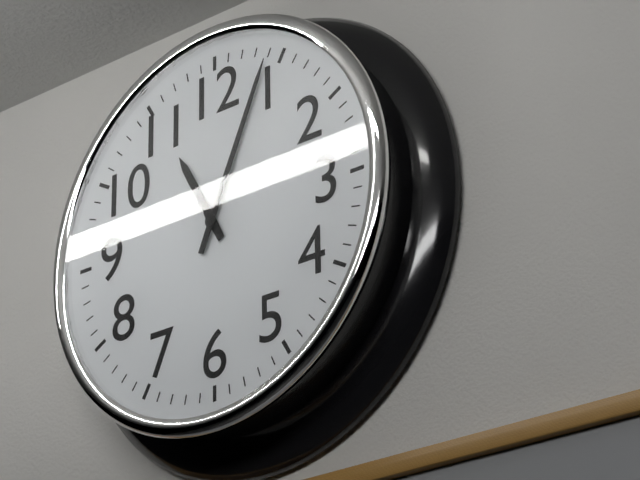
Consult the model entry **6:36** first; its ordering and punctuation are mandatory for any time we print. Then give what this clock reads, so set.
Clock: **11:04**
